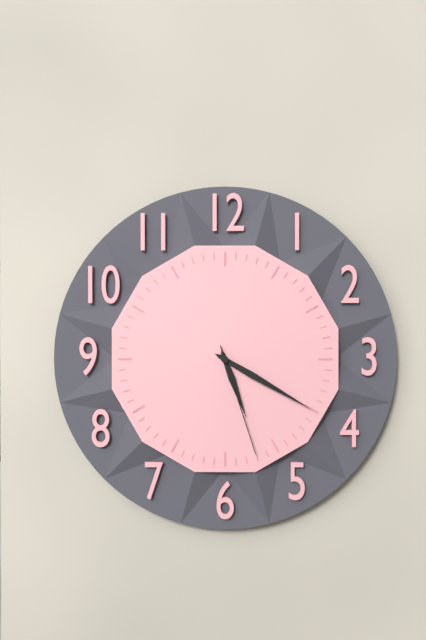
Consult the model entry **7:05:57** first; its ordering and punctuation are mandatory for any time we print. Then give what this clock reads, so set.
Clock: **5:20:27**
